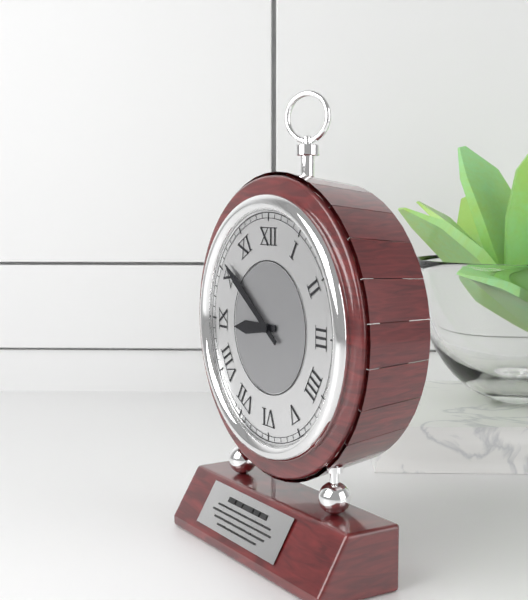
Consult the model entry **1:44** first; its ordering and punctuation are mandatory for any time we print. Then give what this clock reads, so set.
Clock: **8:51**
